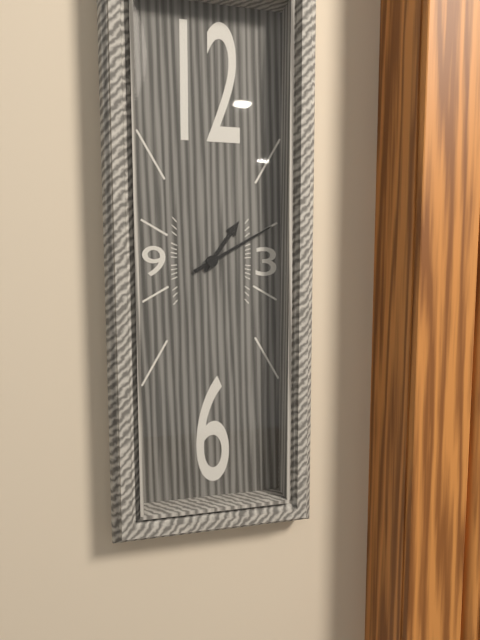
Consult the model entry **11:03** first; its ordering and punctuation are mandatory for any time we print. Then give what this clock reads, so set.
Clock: **1:10**
